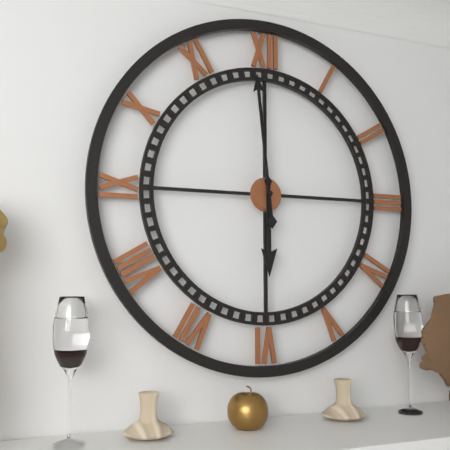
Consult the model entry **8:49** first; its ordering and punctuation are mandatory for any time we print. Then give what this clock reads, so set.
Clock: **5:59**
